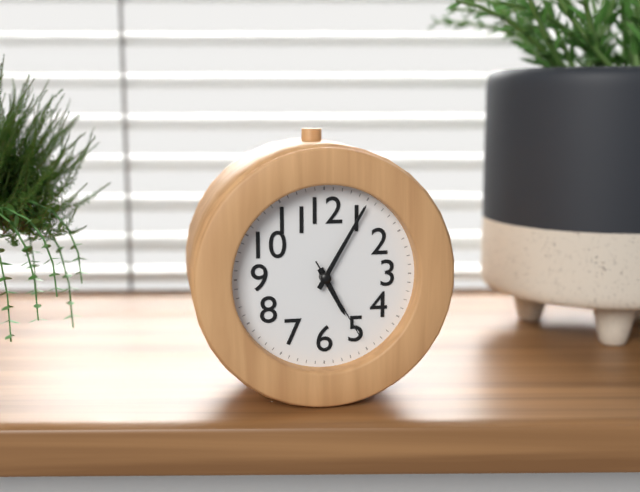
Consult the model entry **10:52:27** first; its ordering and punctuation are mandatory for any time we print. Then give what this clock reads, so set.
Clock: **5:05:25**
